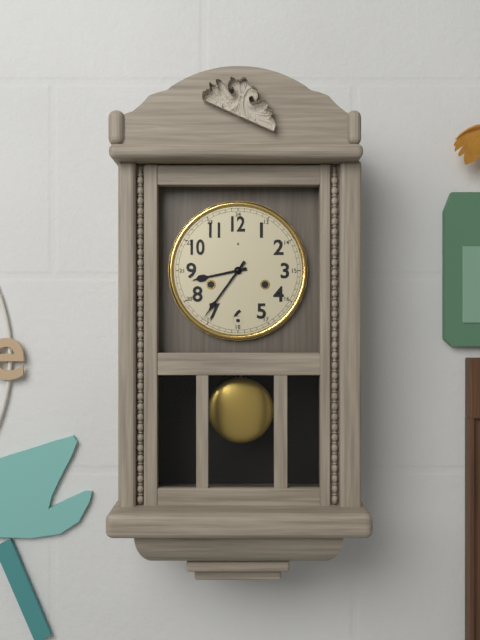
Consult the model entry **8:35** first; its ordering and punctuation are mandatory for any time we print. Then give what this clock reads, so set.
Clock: **8:36**
